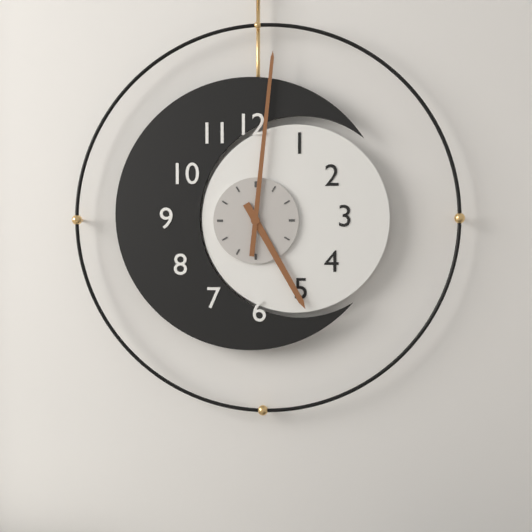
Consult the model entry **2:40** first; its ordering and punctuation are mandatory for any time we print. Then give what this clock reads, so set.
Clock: **5:01**
